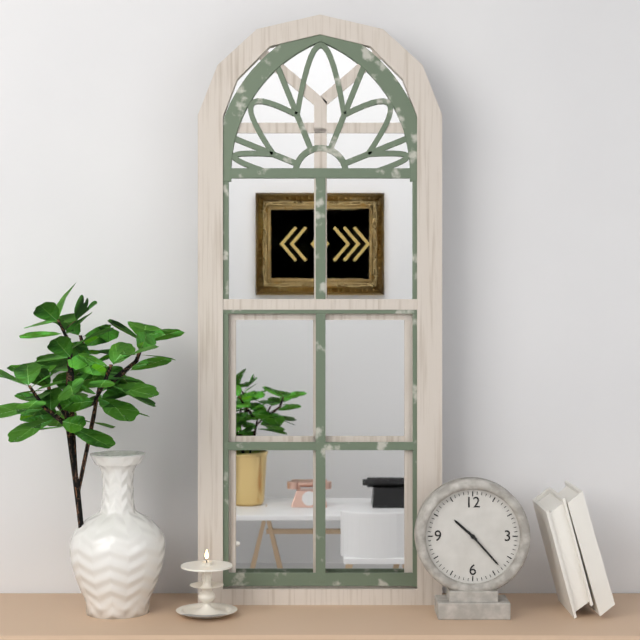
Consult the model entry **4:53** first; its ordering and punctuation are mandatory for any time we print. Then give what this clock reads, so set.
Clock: **10:23**
